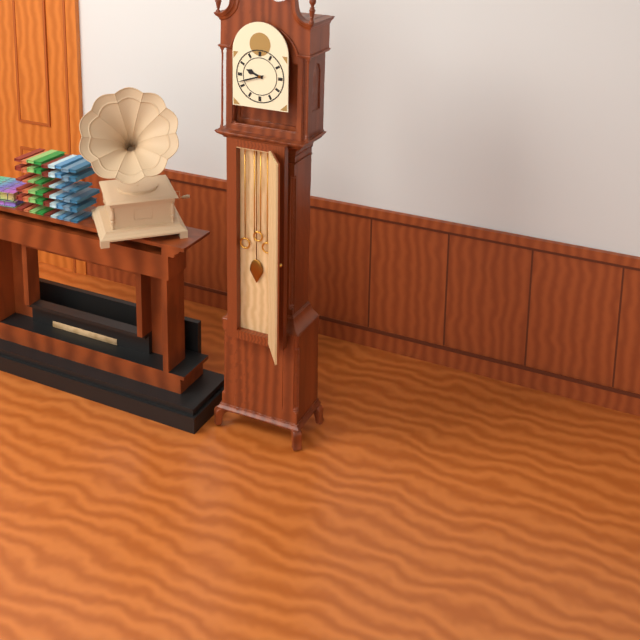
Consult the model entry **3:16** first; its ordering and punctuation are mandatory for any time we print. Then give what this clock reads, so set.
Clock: **9:42**
